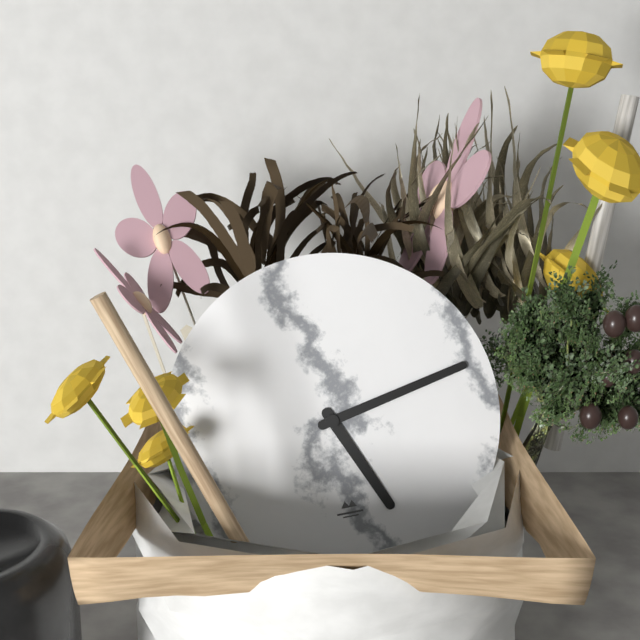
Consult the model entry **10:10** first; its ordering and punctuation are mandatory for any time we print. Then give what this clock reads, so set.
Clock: **5:13**
